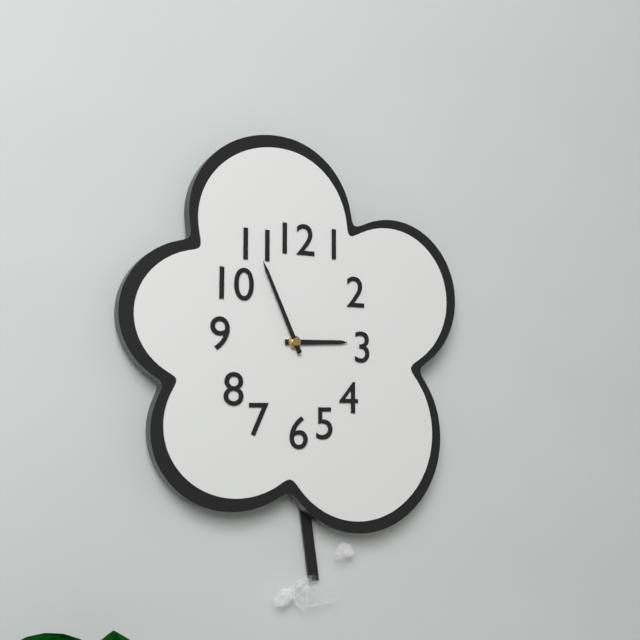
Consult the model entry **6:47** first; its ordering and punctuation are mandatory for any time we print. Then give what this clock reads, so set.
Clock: **2:56**
